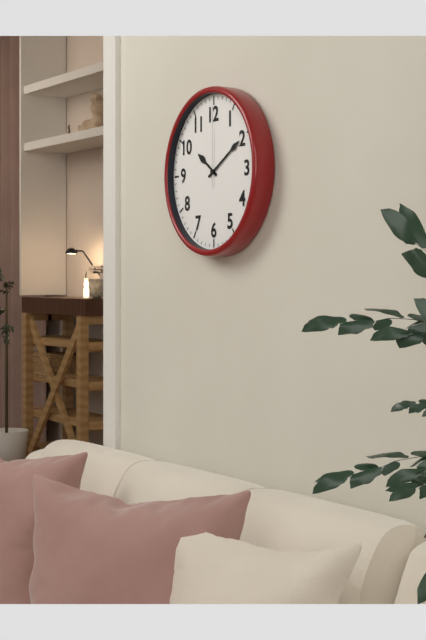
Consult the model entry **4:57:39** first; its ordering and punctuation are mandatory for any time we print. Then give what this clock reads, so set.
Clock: **10:10:00**
